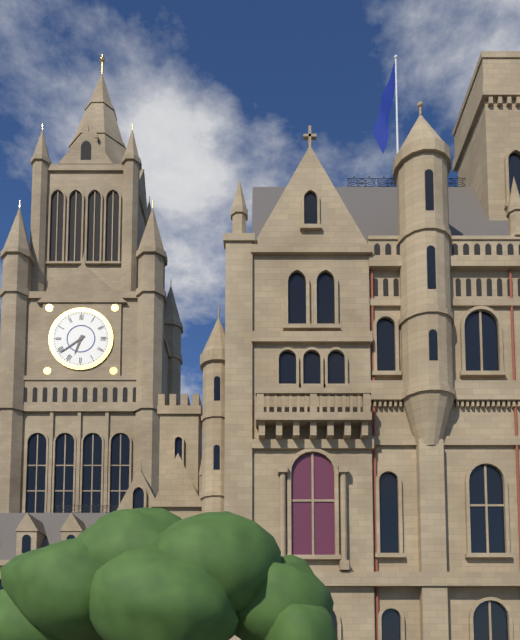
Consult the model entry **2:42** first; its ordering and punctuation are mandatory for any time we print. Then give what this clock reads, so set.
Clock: **6:39**
